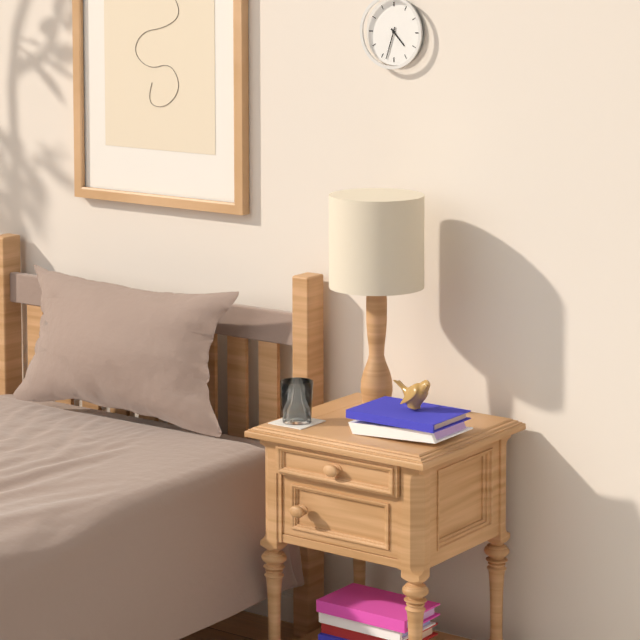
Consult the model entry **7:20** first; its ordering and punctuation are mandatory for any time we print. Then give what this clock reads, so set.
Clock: **4:33**
